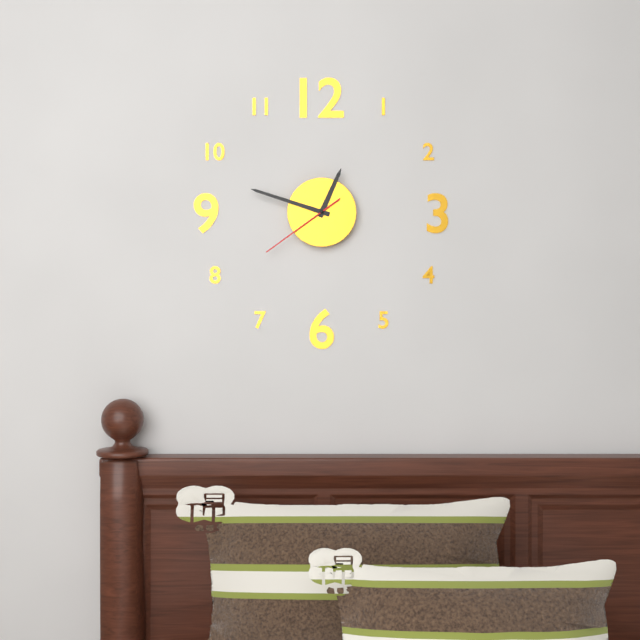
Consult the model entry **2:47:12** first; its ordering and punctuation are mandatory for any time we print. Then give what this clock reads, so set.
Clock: **12:48:39**
